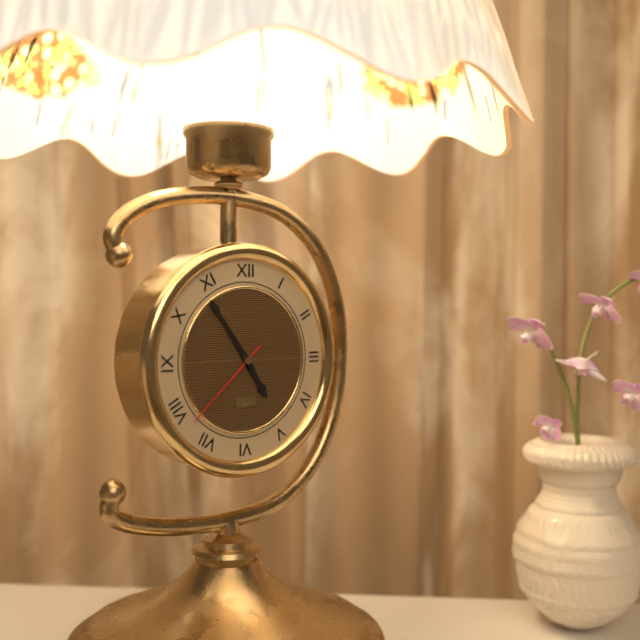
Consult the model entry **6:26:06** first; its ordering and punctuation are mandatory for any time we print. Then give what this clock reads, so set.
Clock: **4:54:38**
